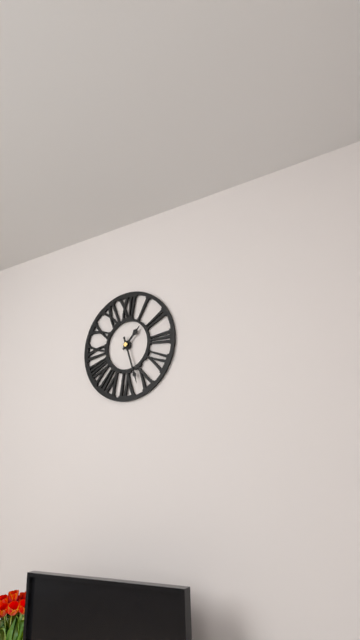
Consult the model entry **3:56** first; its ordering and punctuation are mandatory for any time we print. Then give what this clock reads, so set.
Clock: **1:27**
